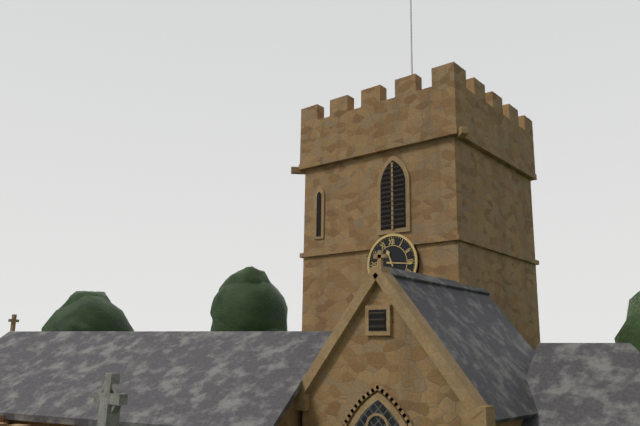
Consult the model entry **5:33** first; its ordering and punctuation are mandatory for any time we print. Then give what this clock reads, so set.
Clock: **11:16**
